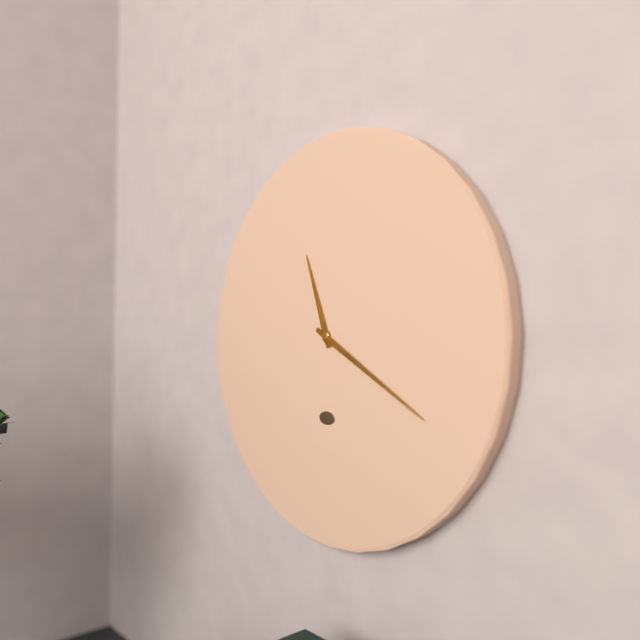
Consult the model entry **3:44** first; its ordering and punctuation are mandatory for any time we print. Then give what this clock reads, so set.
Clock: **11:20**
